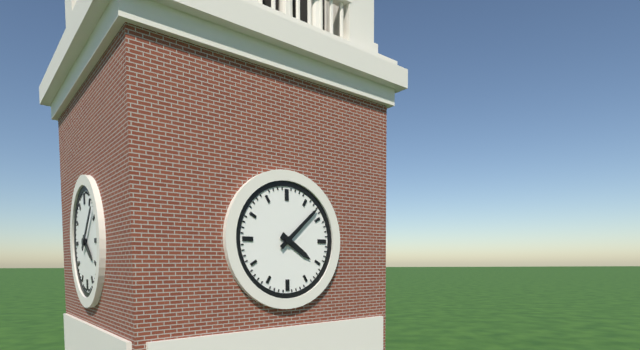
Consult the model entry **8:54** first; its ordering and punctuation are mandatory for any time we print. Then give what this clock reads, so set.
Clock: **4:08**
